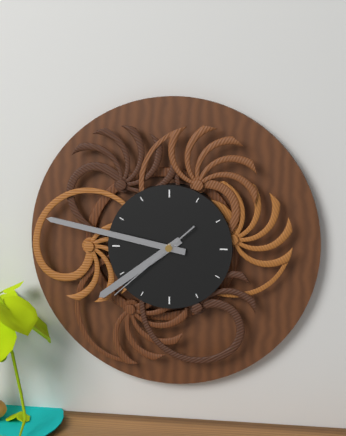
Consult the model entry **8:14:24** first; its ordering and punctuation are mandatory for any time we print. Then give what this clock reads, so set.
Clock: **7:47:38**
